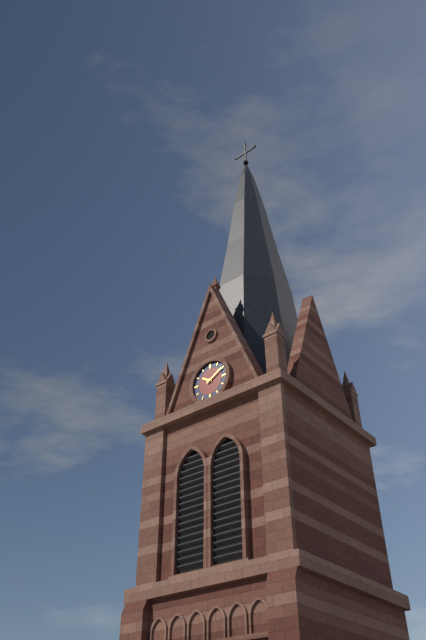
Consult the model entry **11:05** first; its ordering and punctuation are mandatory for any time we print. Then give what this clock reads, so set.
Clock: **10:10**
